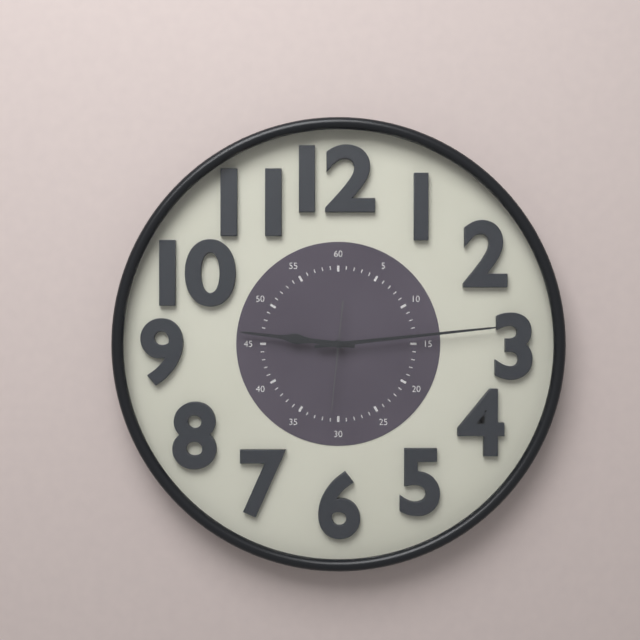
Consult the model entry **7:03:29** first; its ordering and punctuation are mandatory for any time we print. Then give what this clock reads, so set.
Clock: **9:14:31**
